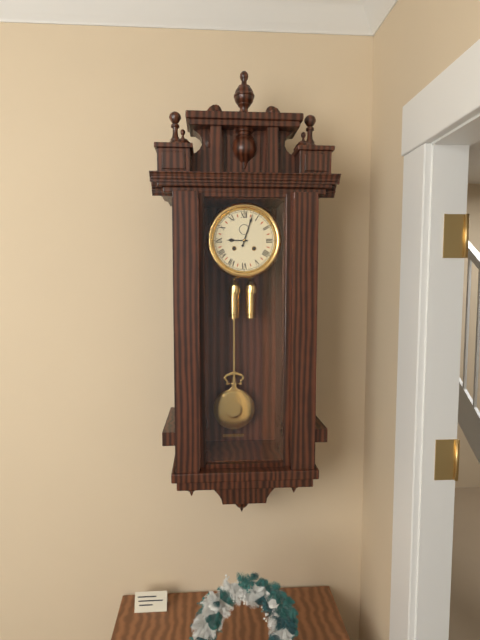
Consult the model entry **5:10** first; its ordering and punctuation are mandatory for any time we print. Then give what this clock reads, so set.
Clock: **9:03**
